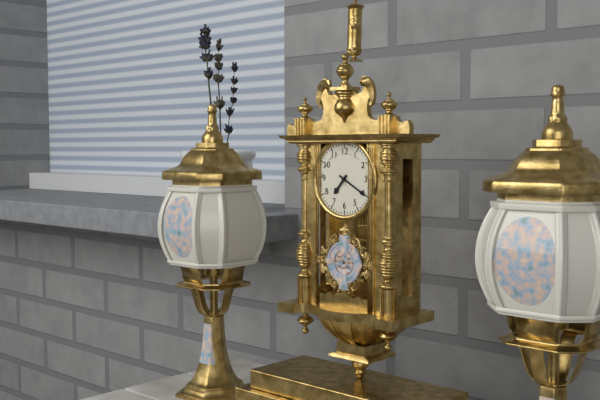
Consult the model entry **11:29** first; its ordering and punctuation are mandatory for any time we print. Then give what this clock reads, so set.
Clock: **7:20**
